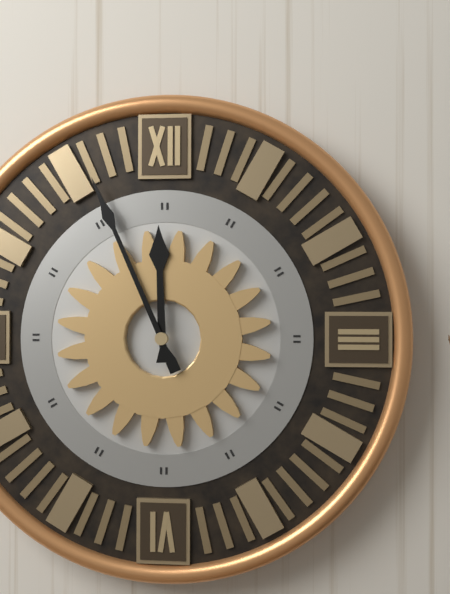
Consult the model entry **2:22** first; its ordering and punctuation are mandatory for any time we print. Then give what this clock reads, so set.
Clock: **11:56**
